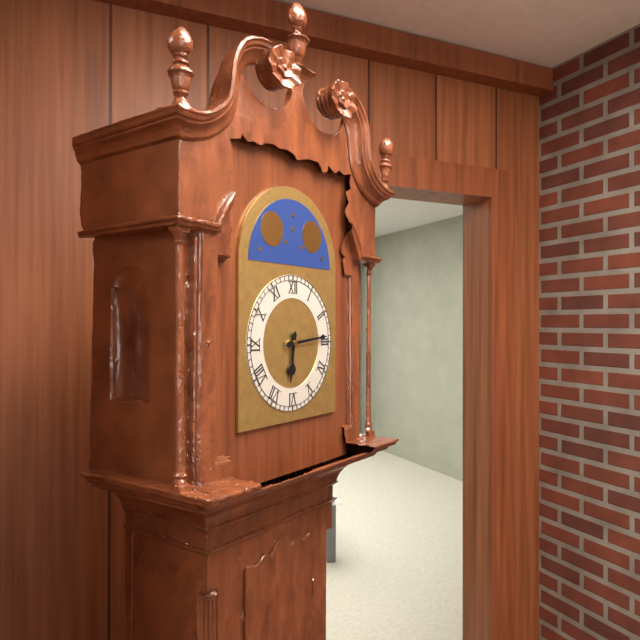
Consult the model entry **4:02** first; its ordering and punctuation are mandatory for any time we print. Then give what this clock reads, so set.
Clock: **6:14**
